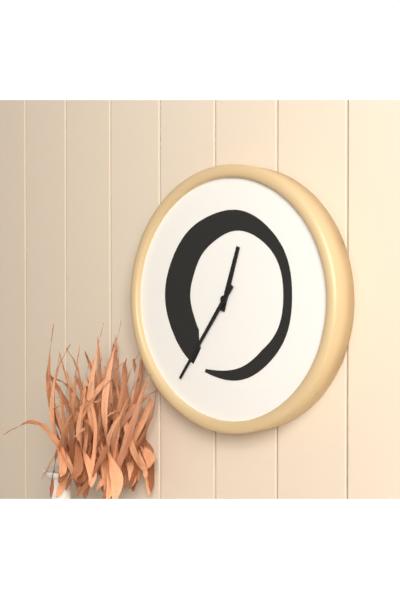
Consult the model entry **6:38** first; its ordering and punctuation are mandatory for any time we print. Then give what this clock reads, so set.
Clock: **12:36**
